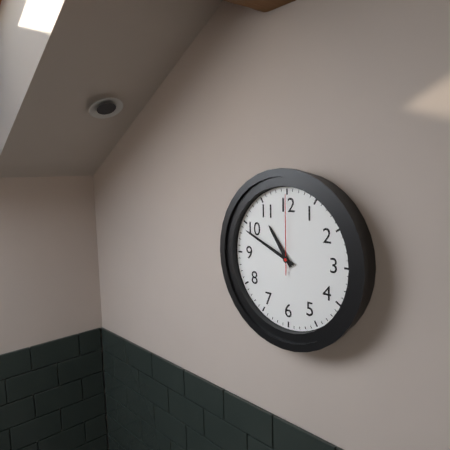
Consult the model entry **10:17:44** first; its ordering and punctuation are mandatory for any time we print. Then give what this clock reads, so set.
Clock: **10:49:00**
